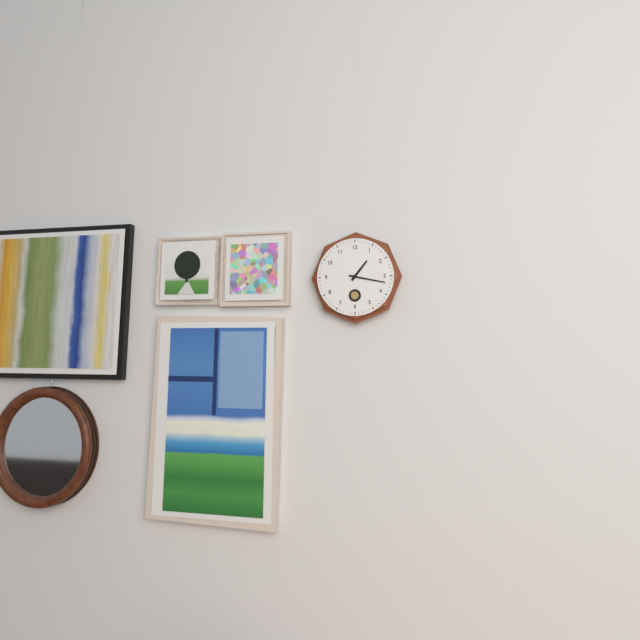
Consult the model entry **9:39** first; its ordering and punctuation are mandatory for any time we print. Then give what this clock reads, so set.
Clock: **1:17**
